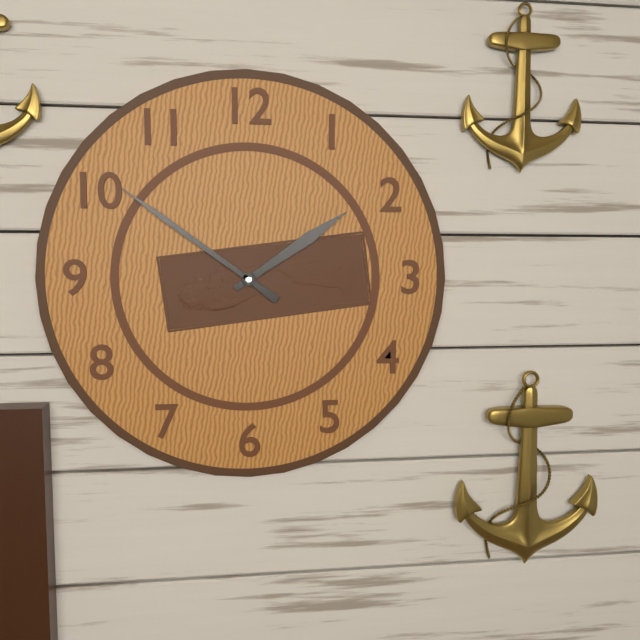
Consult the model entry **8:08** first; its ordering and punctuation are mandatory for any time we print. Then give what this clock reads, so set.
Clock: **1:51**
